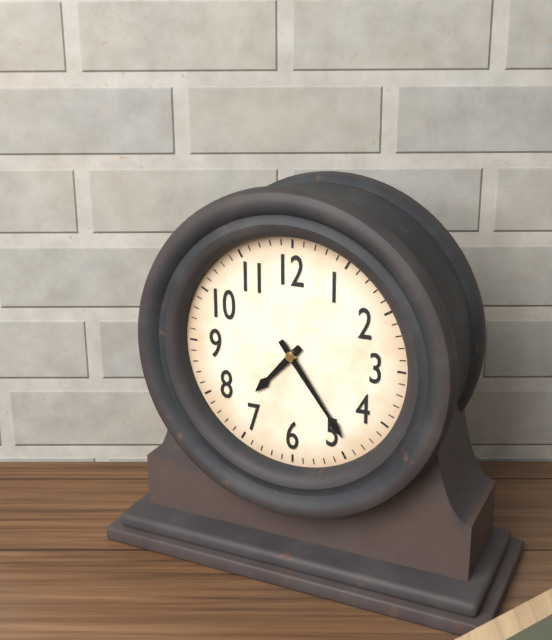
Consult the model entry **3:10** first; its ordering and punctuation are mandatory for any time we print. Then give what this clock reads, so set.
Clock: **7:24**
